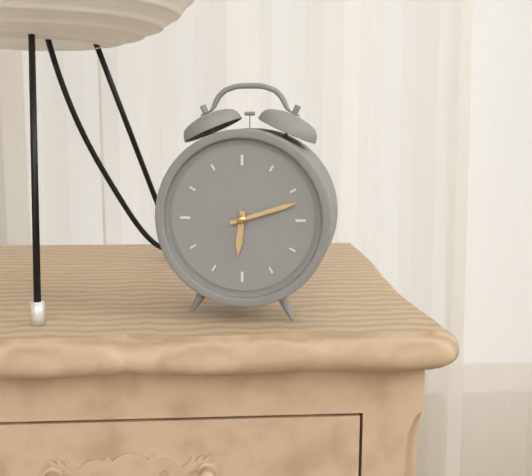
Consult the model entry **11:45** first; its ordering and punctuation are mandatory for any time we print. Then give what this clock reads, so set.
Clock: **6:12**
